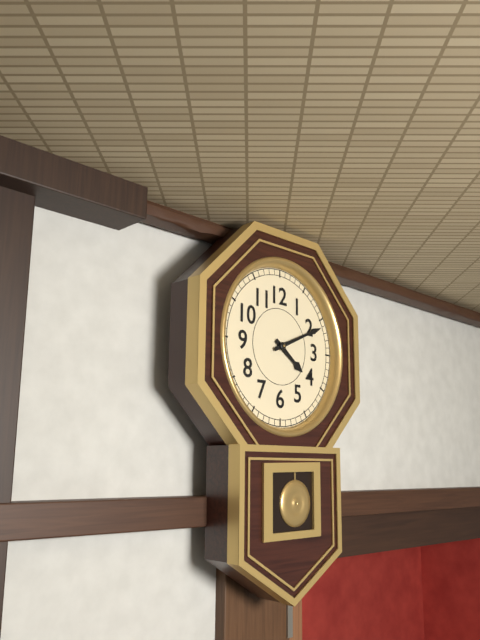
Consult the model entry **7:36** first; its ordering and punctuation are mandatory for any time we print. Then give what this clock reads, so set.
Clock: **4:11**
